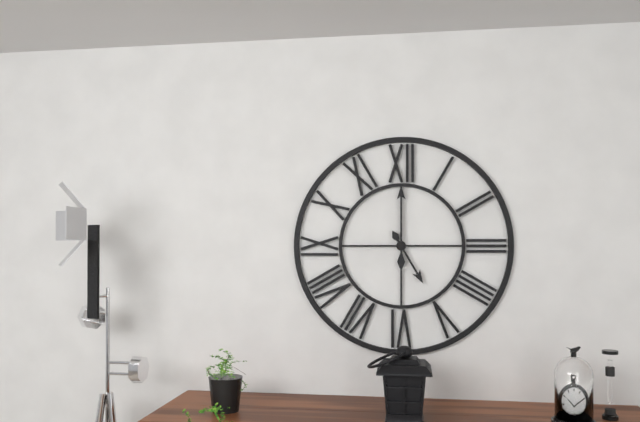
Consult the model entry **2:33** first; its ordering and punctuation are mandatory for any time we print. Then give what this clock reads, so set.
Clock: **5:00**
